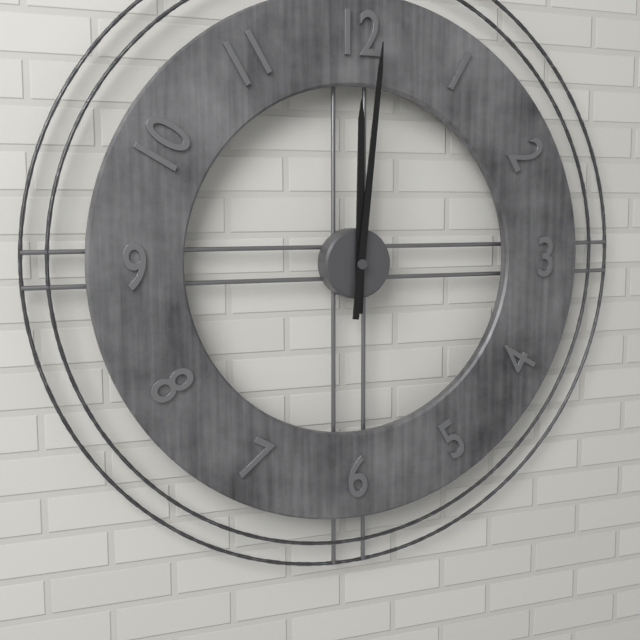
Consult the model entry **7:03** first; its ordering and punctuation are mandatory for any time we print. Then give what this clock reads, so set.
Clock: **12:01**
